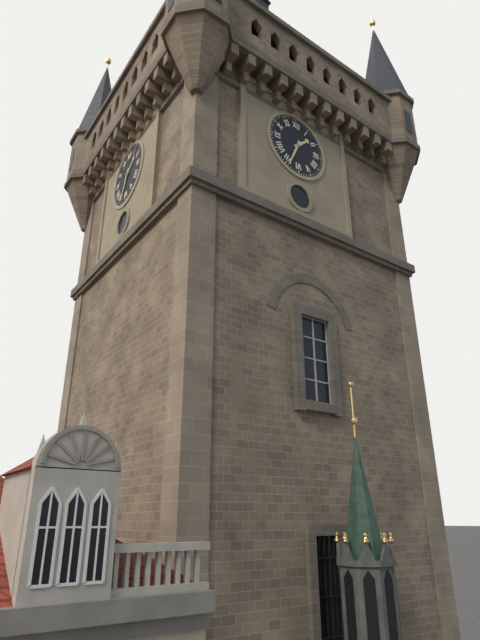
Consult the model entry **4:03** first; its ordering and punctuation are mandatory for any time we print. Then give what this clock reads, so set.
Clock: **1:34**
